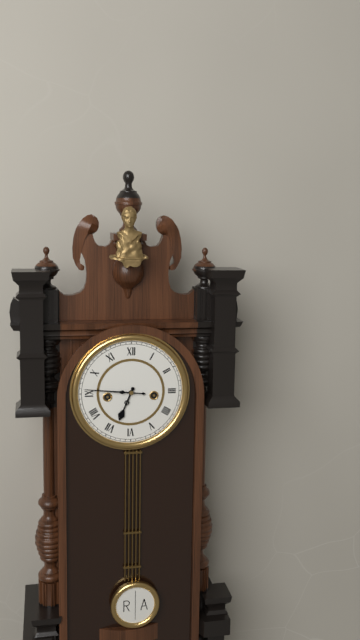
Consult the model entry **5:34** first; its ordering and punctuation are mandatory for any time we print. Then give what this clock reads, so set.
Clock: **6:46**
